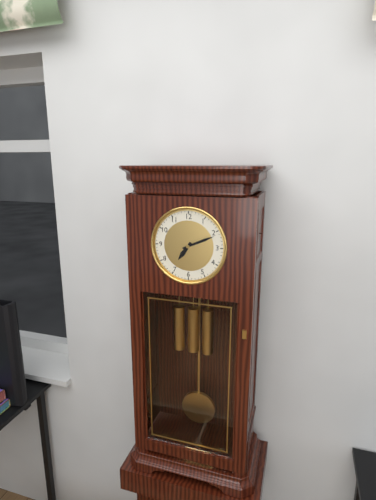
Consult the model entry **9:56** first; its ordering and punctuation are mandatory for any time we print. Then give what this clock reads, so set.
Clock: **7:11**
